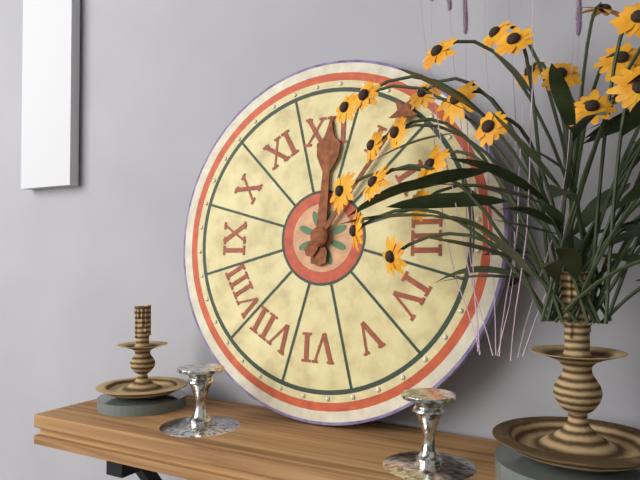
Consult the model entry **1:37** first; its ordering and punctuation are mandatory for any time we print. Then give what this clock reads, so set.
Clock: **12:06**
